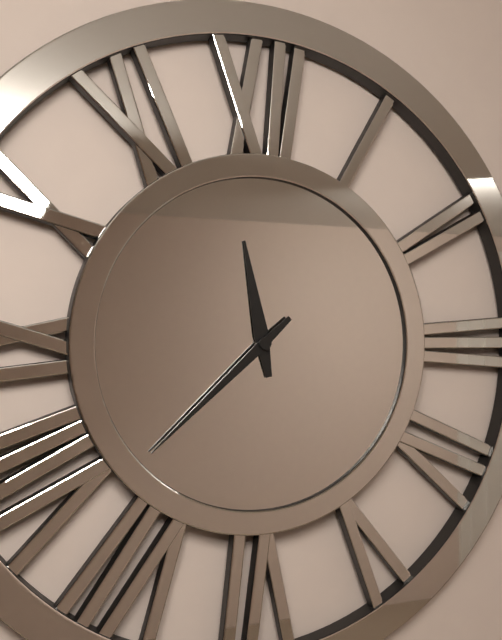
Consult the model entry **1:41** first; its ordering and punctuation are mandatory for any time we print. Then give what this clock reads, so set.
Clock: **11:38**
